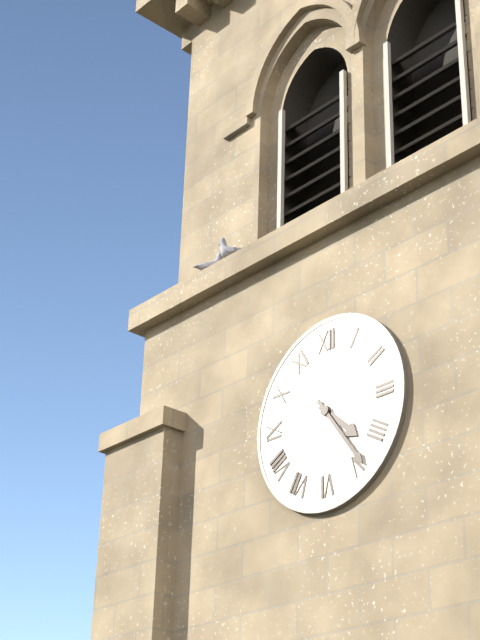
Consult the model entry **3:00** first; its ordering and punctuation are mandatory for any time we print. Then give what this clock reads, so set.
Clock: **4:24**
